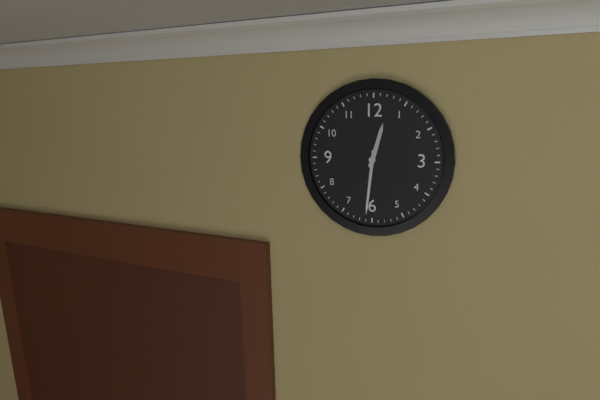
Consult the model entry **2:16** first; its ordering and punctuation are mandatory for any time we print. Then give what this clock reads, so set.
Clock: **12:31**
